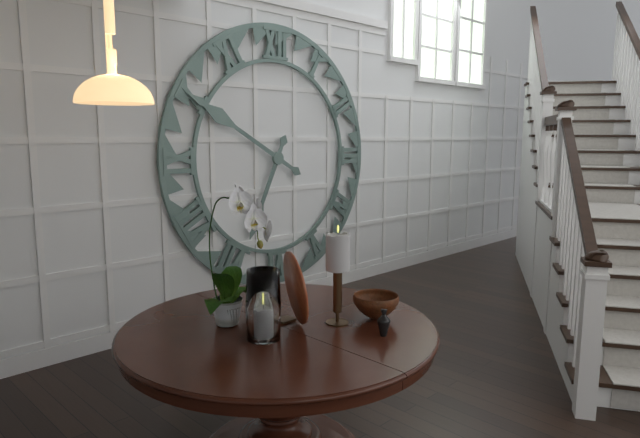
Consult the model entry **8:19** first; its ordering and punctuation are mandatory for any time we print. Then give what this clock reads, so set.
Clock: **6:50**
